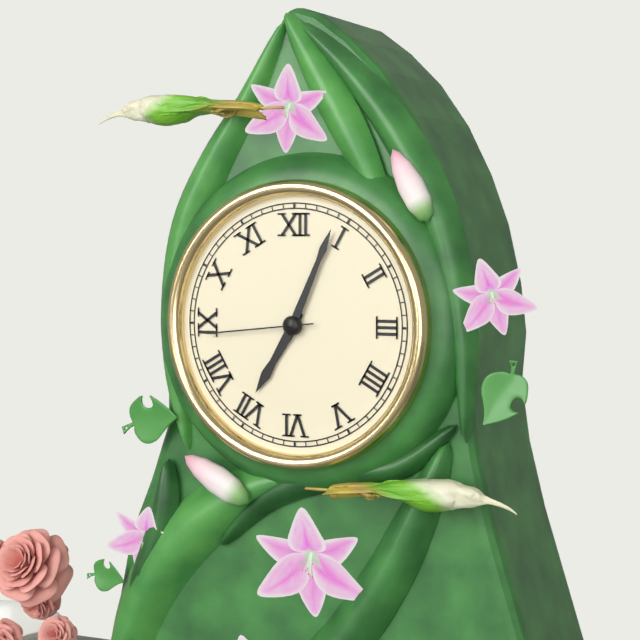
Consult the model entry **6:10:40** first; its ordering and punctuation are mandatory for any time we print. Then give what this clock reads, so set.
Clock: **7:04:44**
